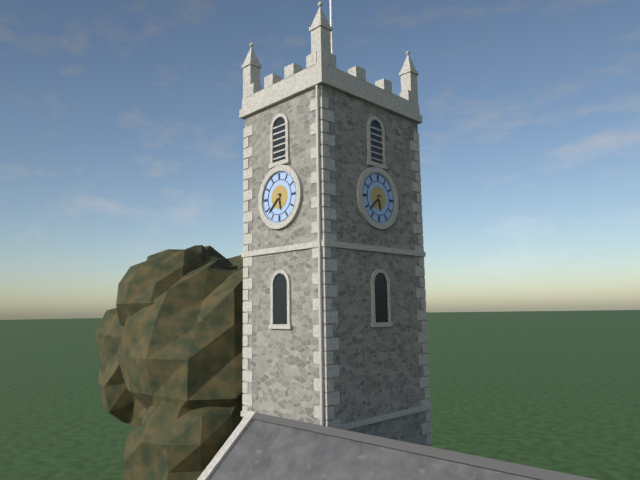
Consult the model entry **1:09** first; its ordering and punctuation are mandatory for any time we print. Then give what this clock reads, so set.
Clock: **5:38**
